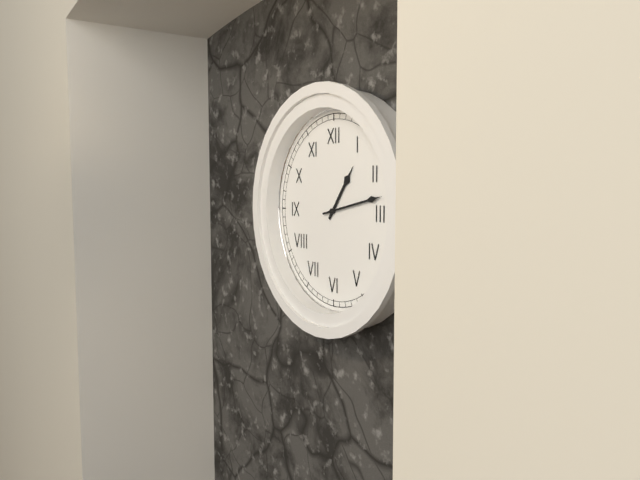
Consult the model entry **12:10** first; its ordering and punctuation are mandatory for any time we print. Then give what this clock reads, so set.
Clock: **1:13**
